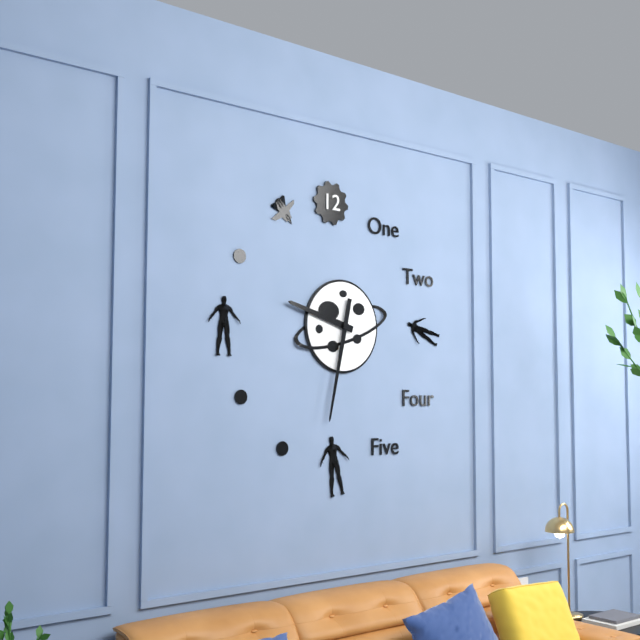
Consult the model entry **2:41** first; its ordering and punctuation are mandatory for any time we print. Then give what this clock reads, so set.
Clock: **9:32**
